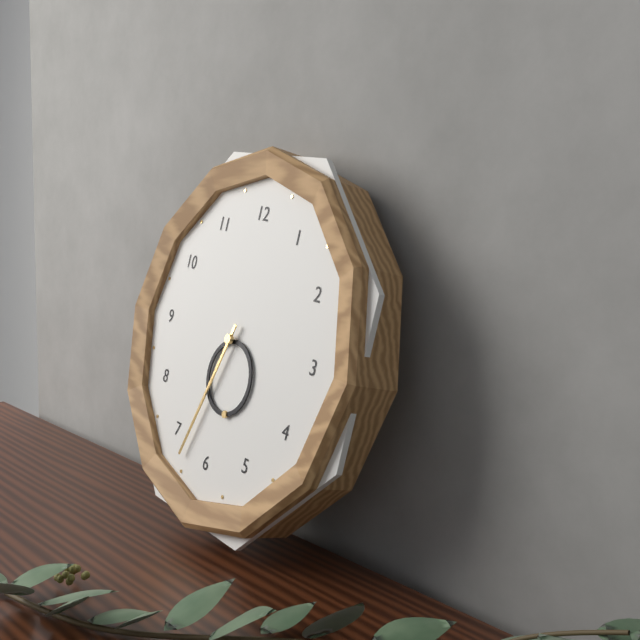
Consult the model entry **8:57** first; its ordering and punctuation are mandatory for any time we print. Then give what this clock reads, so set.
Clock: **5:33**
